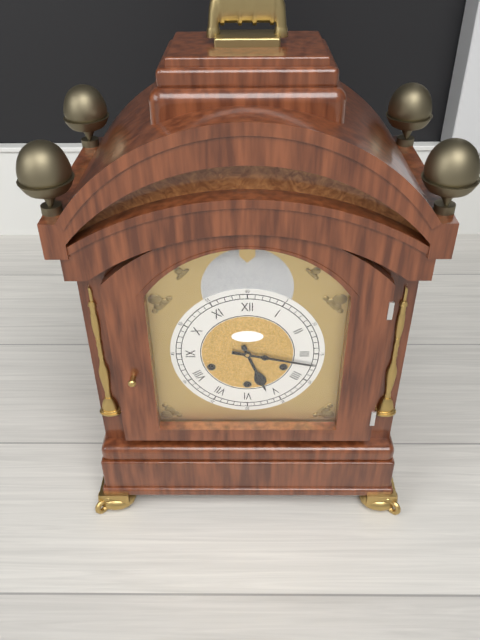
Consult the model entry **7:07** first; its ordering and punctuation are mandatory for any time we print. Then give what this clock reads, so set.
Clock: **5:17**
